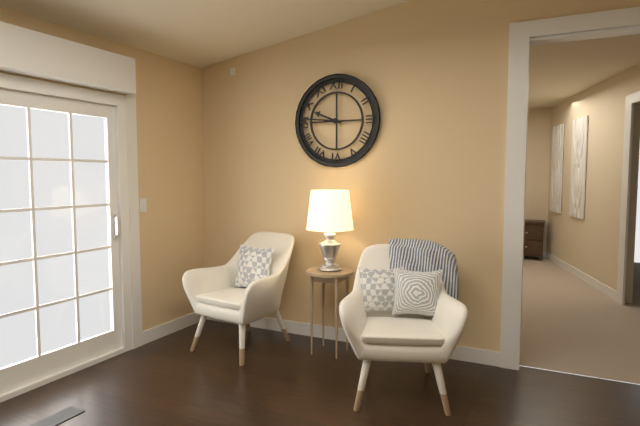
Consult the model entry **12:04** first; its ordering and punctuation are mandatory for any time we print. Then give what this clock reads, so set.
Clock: **9:46**
